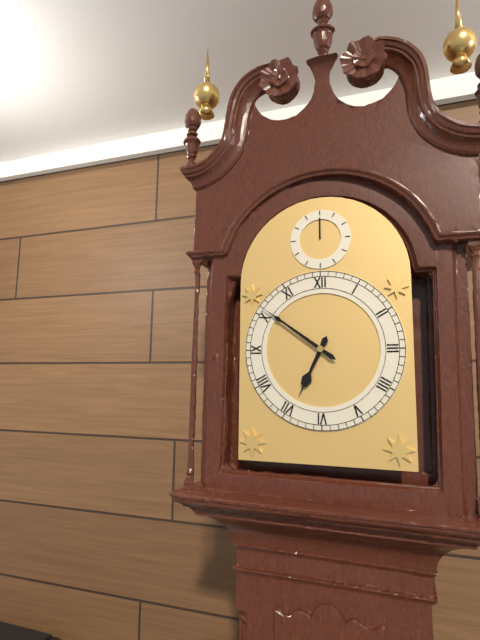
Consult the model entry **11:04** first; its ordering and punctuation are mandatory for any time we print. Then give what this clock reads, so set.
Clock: **6:51**
